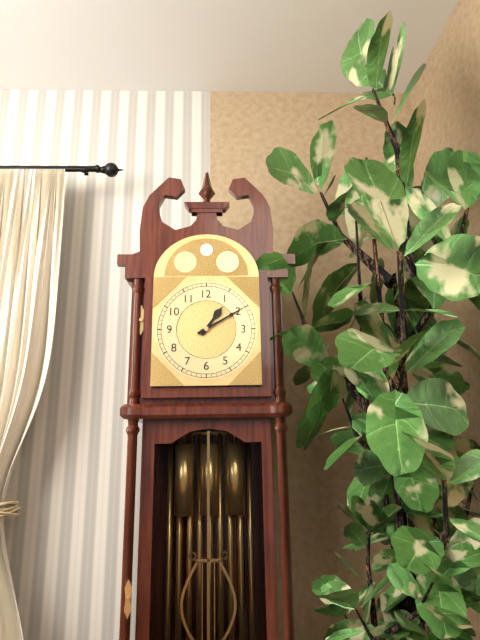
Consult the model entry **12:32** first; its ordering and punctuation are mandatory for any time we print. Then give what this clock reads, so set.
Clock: **1:10**
